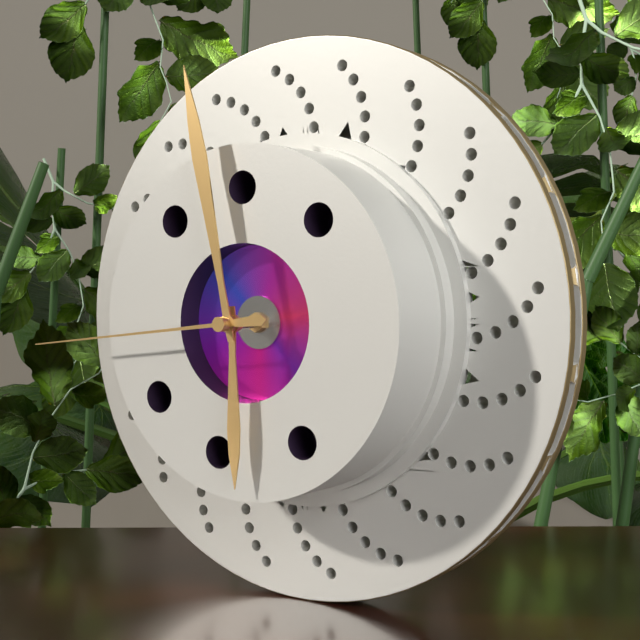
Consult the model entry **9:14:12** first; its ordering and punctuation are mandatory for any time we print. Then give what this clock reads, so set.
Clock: **5:58:44**
